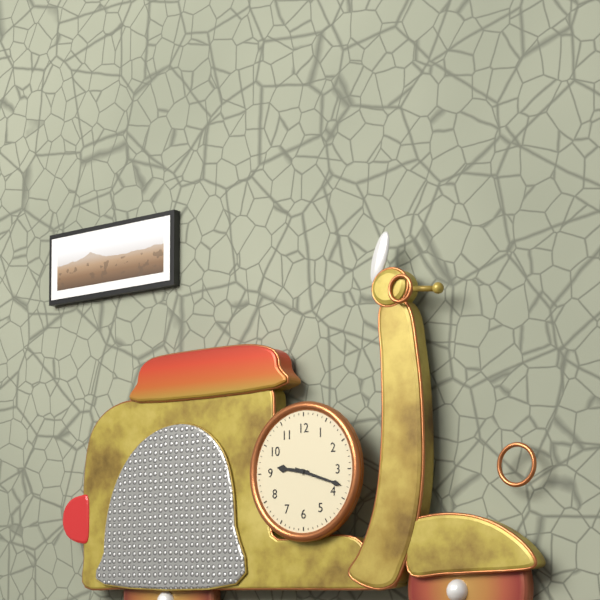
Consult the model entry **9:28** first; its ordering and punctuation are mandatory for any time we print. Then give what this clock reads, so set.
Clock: **9:18**
